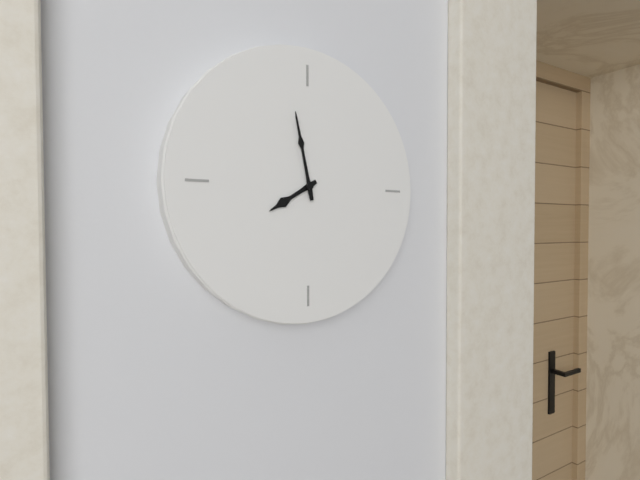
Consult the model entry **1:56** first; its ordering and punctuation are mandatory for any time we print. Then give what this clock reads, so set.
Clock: **7:58**
